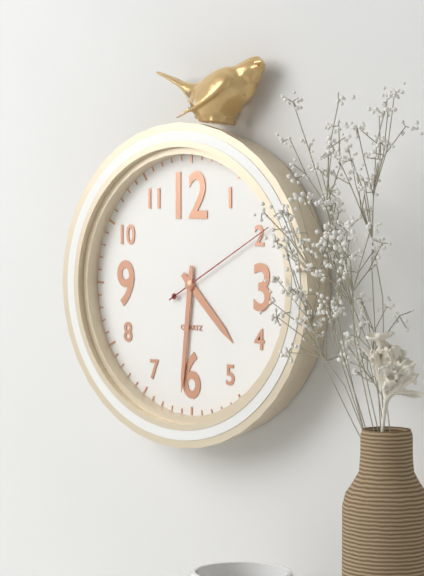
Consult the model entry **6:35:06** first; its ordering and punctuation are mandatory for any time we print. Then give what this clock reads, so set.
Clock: **4:31:10**
